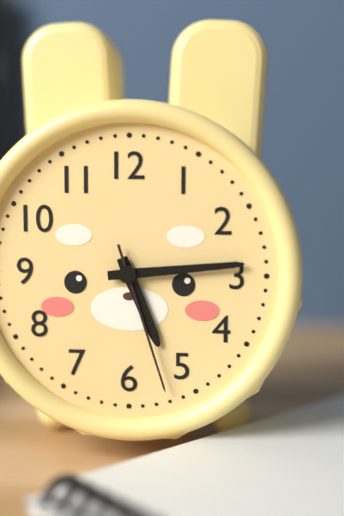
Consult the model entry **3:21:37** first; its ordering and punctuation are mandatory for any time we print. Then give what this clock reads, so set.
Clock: **5:14:27**
